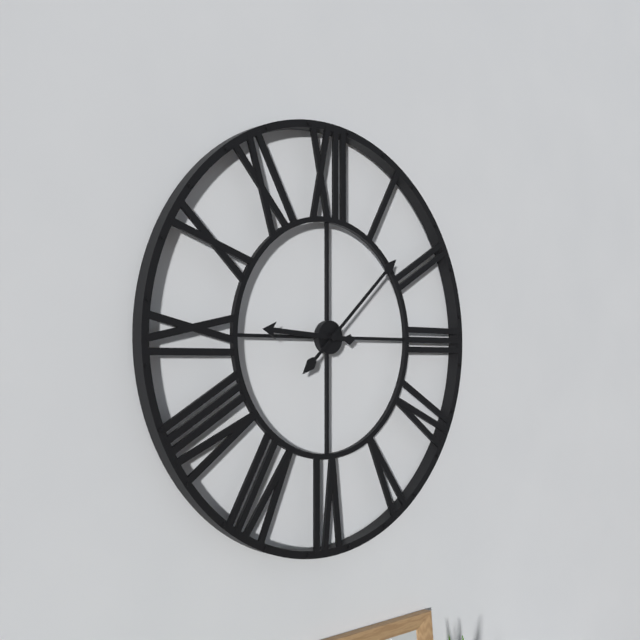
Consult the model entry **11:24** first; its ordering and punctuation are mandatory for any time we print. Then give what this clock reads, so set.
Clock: **9:08**
